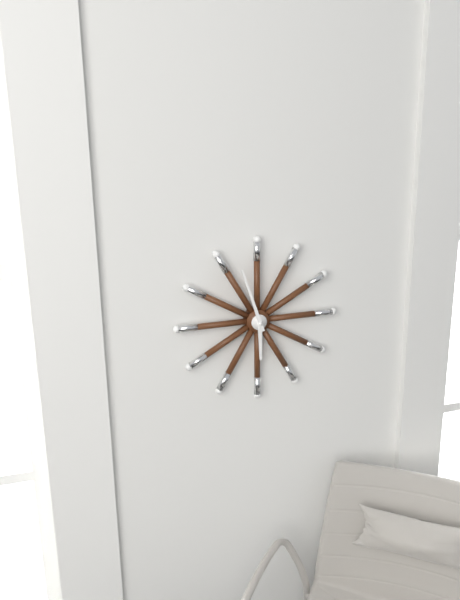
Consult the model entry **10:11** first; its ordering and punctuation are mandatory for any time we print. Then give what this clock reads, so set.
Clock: **5:57**
